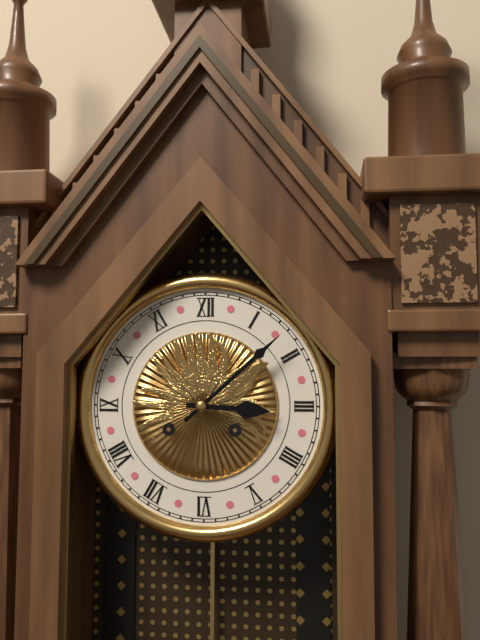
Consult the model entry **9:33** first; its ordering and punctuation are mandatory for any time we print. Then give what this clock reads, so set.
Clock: **3:08**
